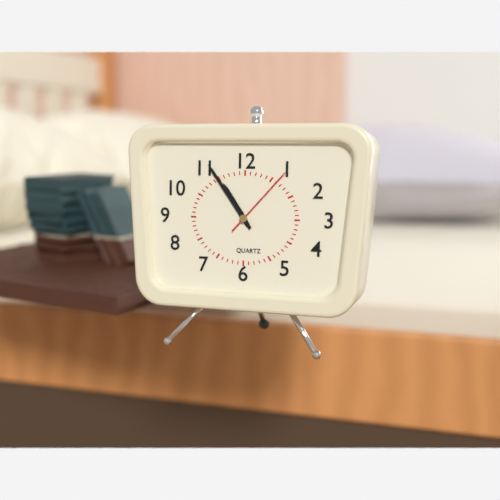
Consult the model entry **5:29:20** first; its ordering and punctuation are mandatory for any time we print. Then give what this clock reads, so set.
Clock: **10:54:07**
